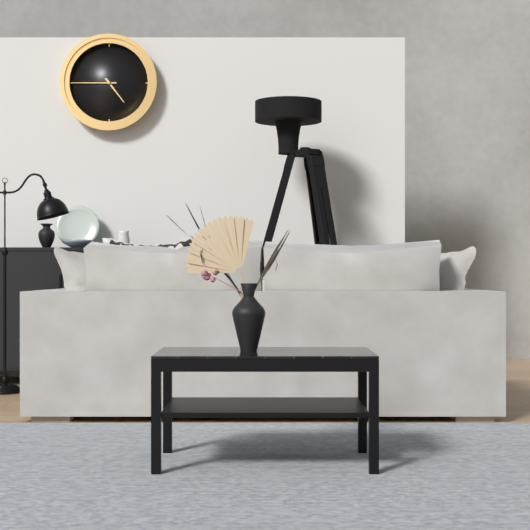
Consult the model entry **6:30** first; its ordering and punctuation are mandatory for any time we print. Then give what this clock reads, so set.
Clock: **4:45**
